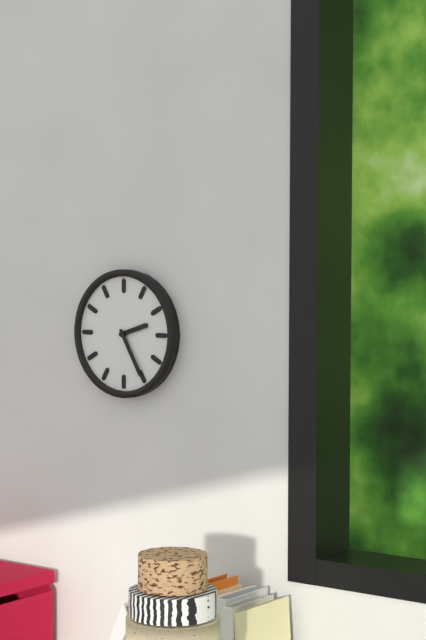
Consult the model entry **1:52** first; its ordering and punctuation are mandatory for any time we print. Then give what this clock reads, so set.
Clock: **2:25**
